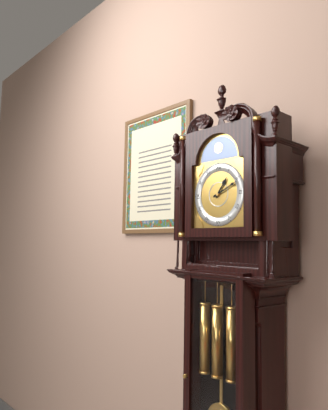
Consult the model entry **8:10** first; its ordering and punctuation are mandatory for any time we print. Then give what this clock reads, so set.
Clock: **1:11**
